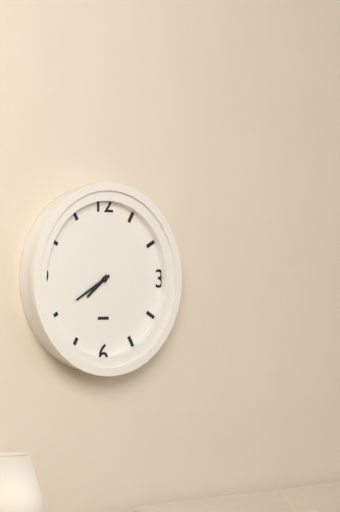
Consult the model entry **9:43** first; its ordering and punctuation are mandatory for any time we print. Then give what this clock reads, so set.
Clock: **7:40**
